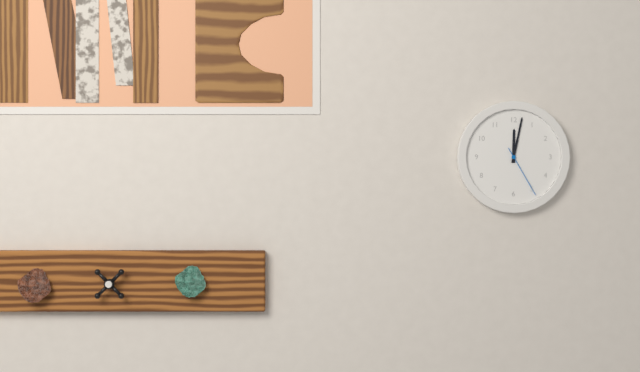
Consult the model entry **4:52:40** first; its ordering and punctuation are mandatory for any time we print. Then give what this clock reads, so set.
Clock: **12:02:25**
